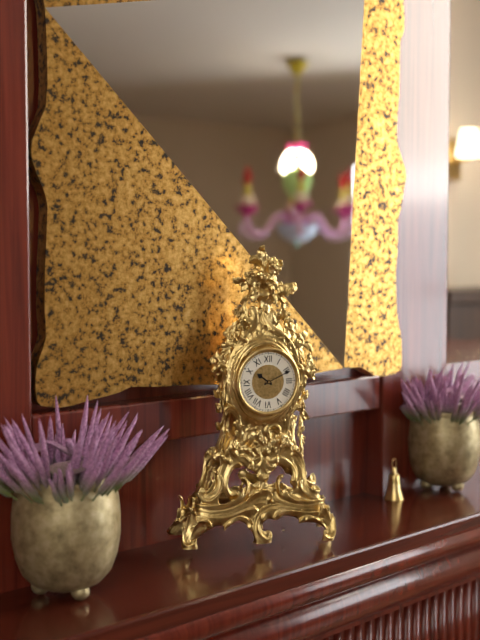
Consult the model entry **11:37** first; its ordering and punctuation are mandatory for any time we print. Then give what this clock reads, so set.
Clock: **10:11**
